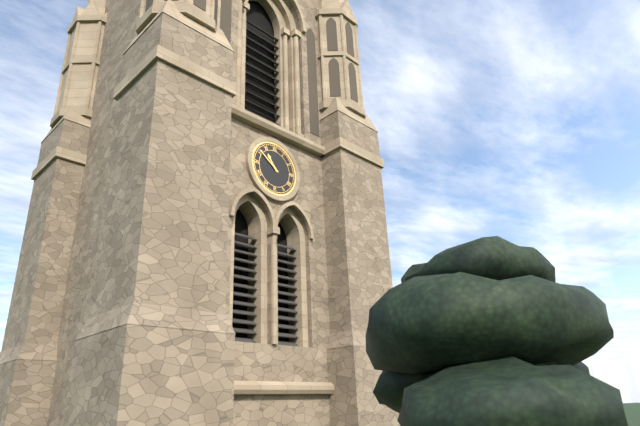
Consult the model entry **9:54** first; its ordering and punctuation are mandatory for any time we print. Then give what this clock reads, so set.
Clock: **10:51**
